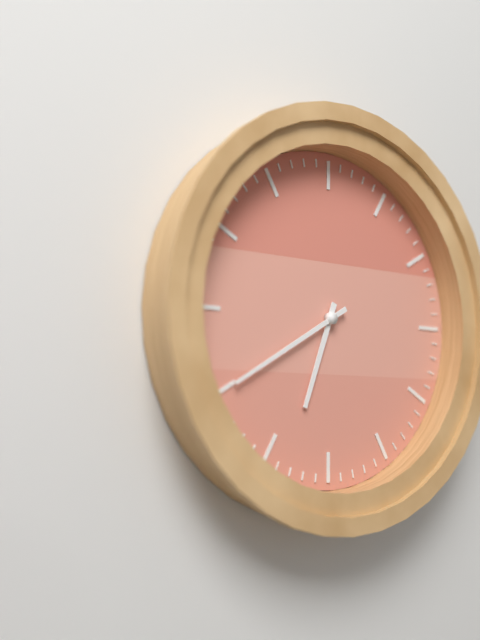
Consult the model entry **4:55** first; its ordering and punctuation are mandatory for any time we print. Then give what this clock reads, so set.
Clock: **6:40**
